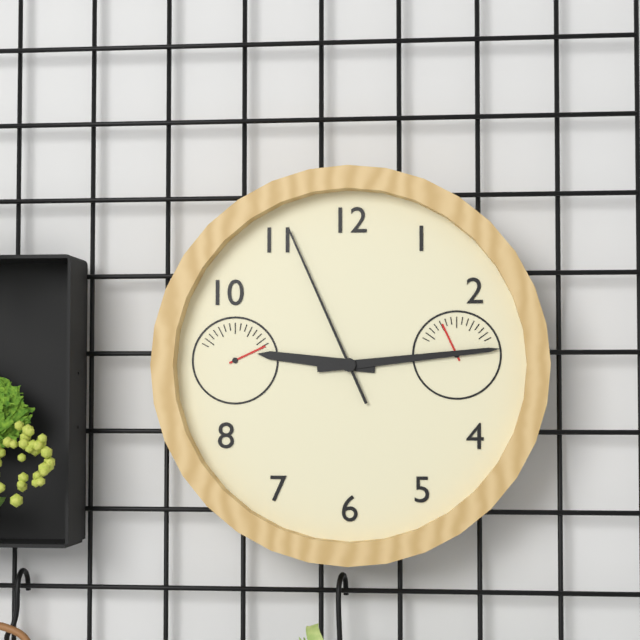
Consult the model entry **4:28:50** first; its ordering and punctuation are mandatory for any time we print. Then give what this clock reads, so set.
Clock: **9:14:56**
